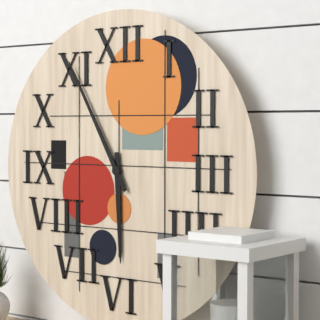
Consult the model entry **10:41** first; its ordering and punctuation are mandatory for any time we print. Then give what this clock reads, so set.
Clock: **5:55**
